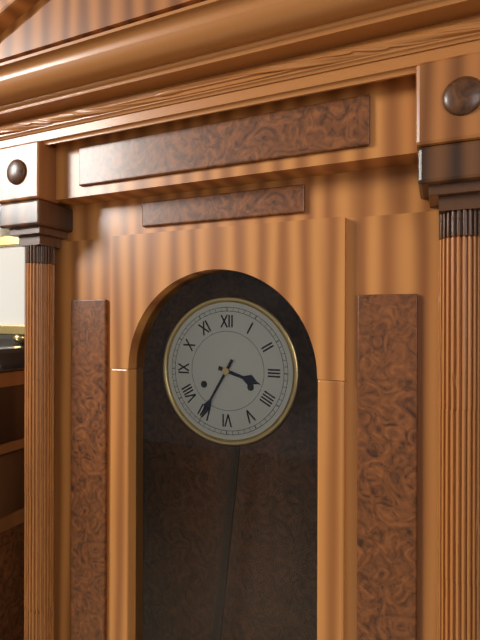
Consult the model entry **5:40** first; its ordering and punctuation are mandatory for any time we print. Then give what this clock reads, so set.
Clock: **3:35**
